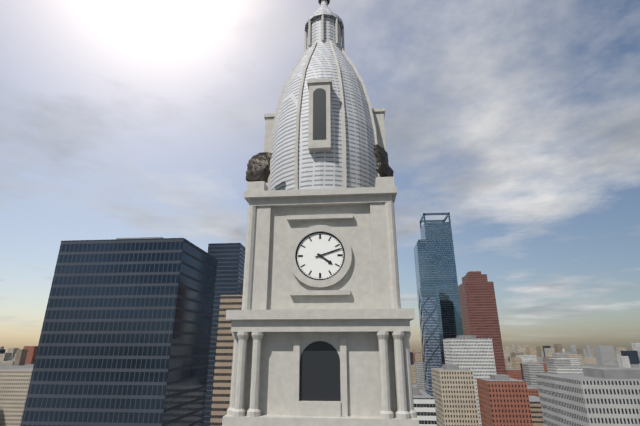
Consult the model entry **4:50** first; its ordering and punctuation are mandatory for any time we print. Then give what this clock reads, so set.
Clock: **4:12**
